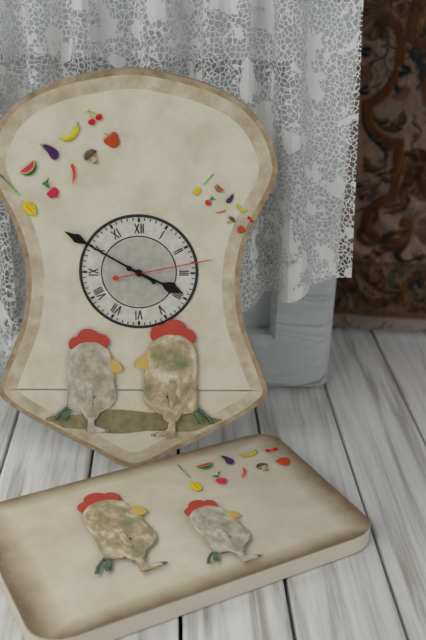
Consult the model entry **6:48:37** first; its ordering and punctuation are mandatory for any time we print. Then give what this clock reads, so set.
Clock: **3:50:13**
